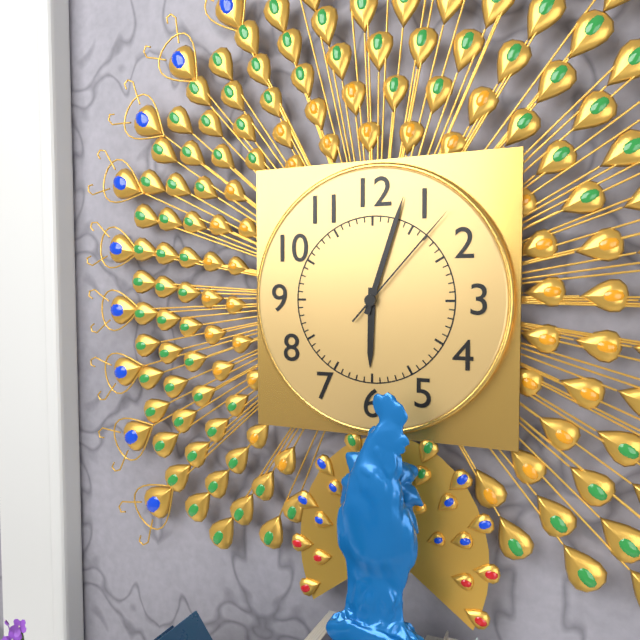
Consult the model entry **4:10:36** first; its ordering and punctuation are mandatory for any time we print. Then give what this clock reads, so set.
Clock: **6:03:07**
